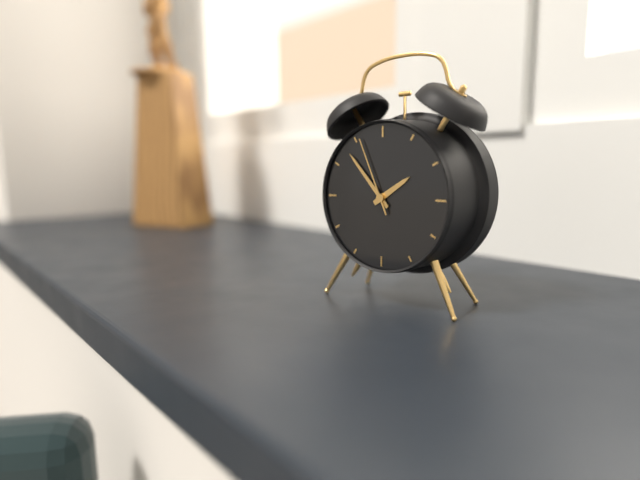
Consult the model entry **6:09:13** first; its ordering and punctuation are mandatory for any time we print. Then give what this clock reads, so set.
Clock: **1:53:56**
